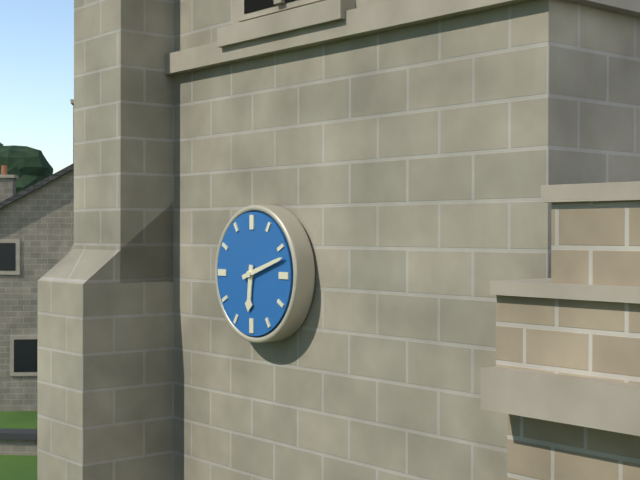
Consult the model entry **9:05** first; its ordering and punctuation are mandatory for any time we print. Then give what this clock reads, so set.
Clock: **6:12**
